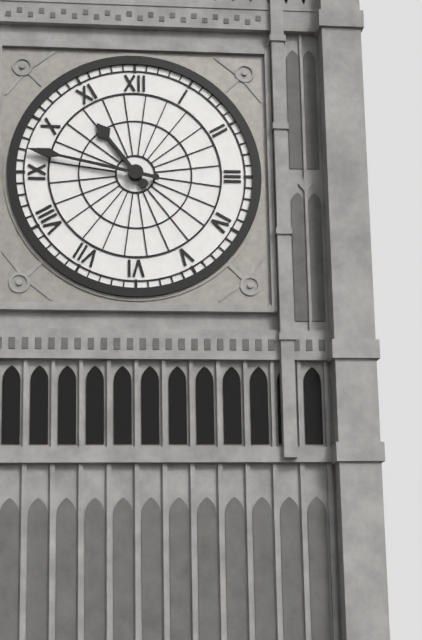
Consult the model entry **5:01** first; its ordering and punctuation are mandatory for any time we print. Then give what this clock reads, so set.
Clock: **10:47**
